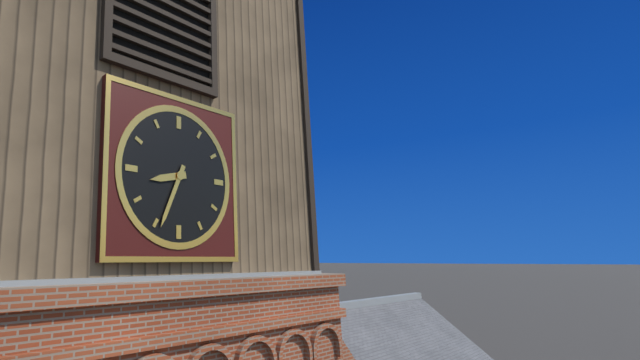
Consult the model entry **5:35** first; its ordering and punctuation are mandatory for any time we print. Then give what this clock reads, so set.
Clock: **8:34**
